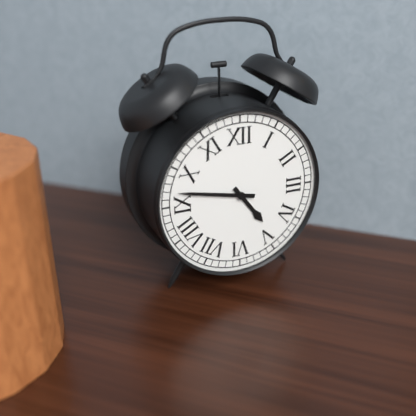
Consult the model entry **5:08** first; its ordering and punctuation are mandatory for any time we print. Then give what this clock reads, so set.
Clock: **4:47**
